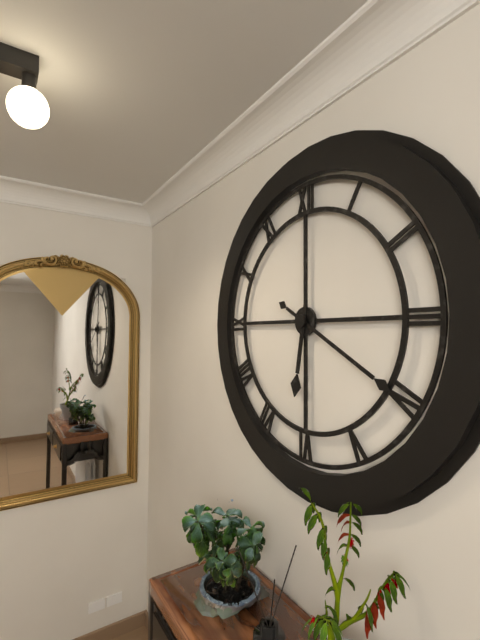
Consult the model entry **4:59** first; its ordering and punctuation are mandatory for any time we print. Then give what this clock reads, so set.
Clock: **6:20**
